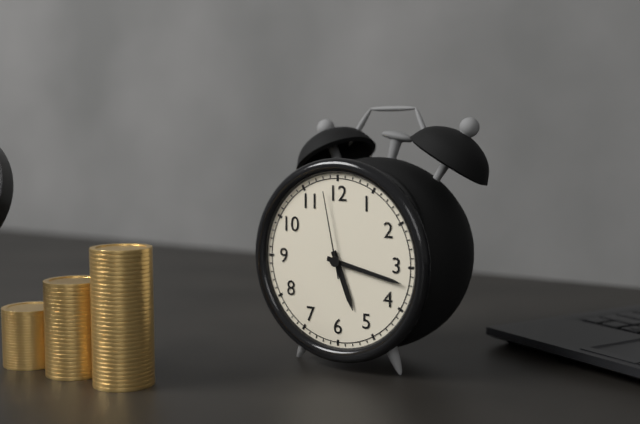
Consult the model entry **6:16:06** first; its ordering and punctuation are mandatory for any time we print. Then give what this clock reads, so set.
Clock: **5:17:58**
